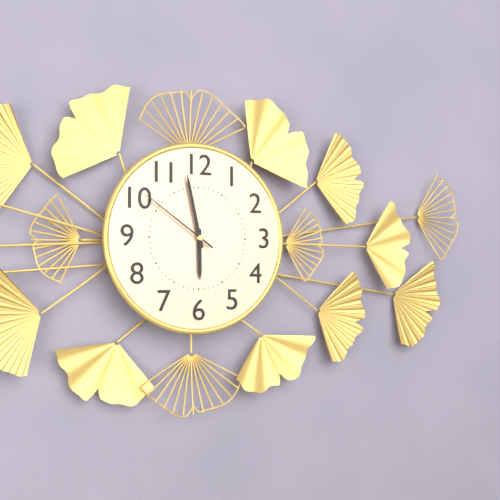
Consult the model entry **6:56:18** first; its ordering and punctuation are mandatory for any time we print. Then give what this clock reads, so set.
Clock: **5:58:51**
